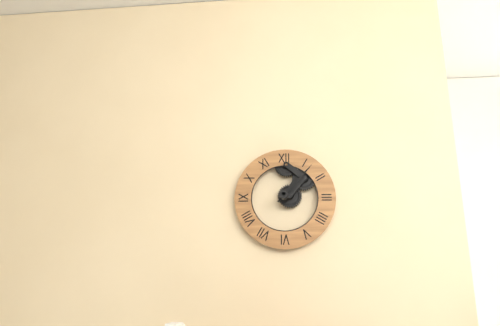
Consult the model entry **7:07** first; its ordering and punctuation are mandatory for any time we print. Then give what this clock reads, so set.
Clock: **1:07**
